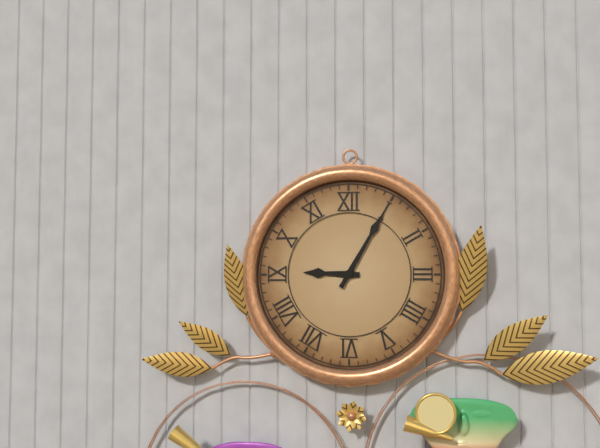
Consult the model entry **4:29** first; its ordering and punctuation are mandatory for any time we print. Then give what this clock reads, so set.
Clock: **9:05**
